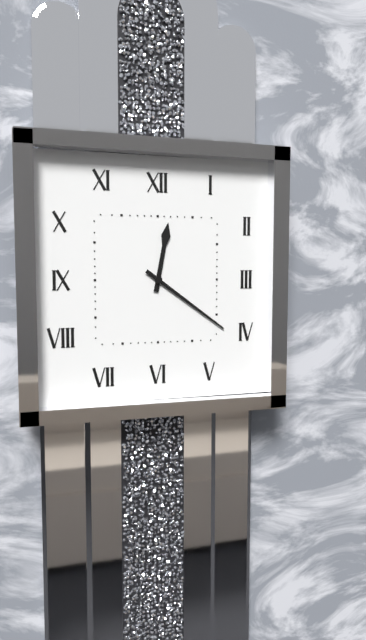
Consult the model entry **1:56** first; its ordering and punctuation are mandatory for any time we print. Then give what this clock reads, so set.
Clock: **12:21**
